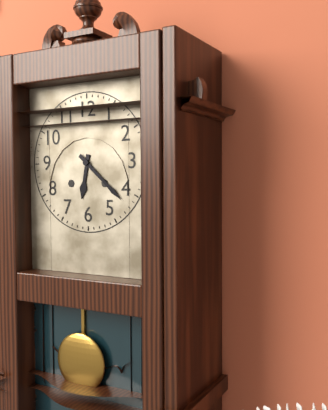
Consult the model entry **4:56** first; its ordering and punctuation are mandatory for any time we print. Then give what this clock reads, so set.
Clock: **6:22**
